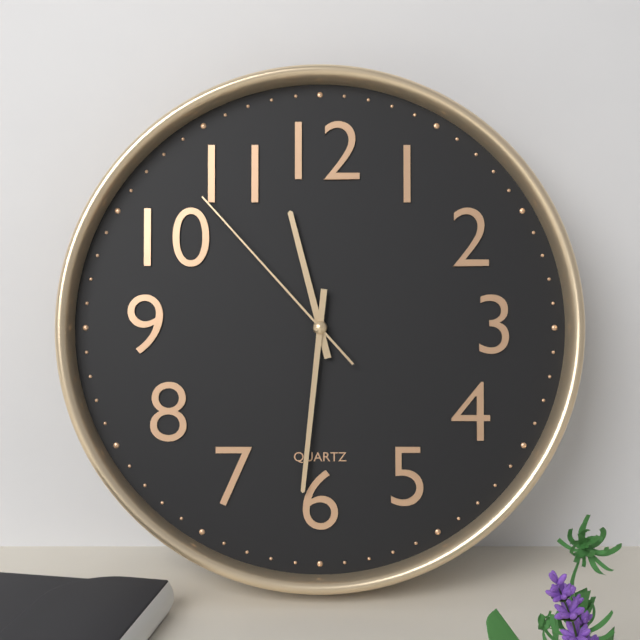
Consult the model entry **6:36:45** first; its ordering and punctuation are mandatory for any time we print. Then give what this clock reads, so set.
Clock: **11:31:53**
